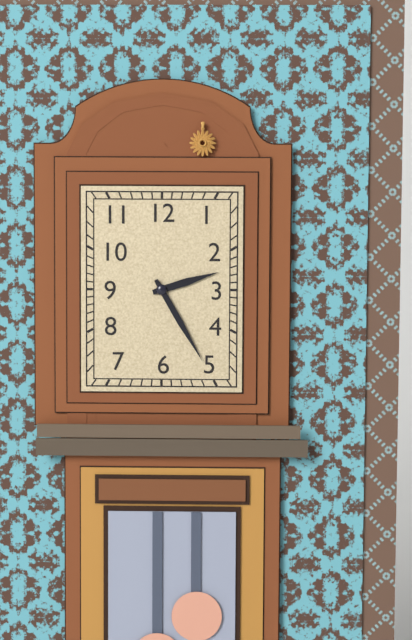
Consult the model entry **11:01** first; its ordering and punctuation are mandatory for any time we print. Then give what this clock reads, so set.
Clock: **2:25**
